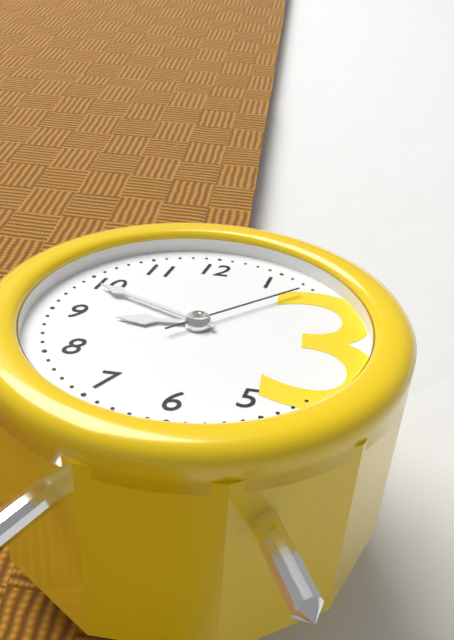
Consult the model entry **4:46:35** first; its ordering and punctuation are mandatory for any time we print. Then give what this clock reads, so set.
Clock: **8:49:08**
